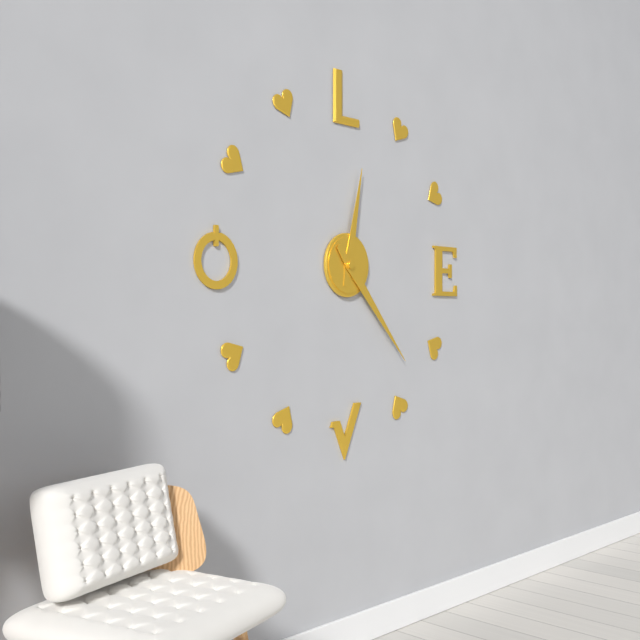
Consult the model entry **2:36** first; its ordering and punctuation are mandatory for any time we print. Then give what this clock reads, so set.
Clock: **12:23**
